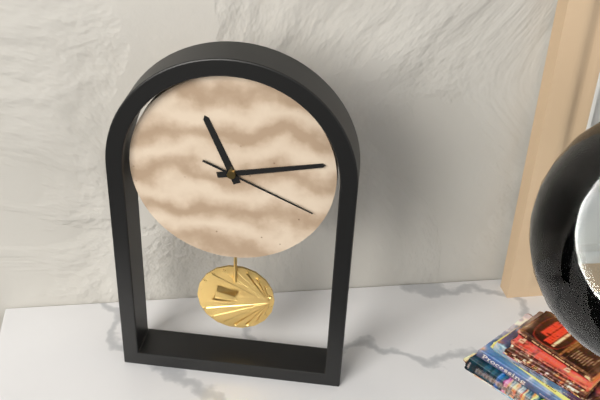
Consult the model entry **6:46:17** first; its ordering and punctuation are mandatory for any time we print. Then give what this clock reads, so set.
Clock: **11:13:19**
